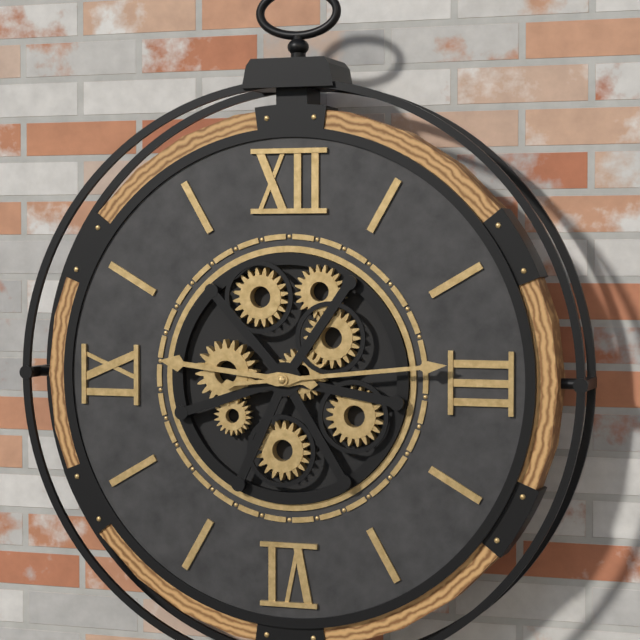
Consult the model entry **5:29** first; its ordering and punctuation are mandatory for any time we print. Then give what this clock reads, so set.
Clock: **9:14**
